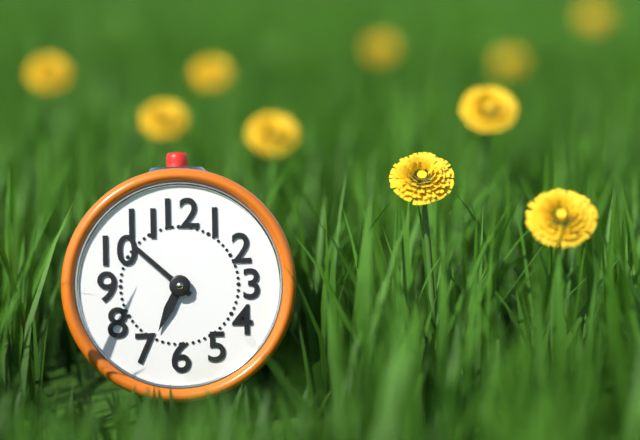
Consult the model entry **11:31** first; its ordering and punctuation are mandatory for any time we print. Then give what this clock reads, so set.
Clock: **6:52**
